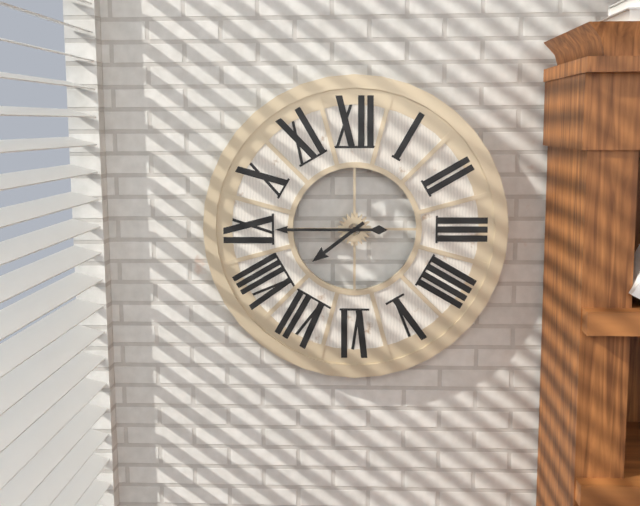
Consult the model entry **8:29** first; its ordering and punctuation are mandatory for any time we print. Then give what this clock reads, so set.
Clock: **7:45**
